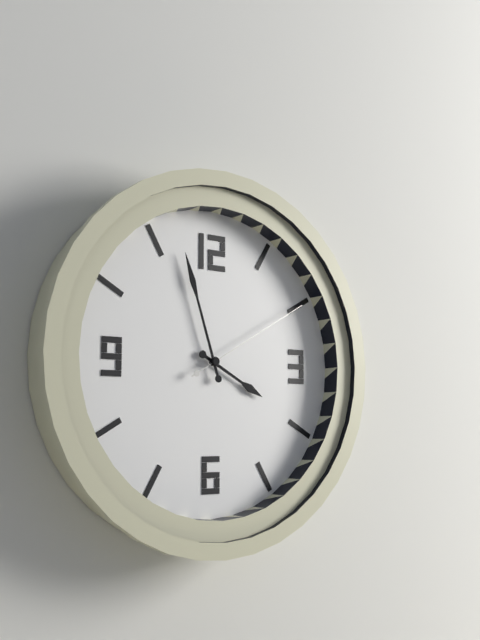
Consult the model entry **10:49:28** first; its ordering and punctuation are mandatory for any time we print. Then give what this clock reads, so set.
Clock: **3:57:10**
